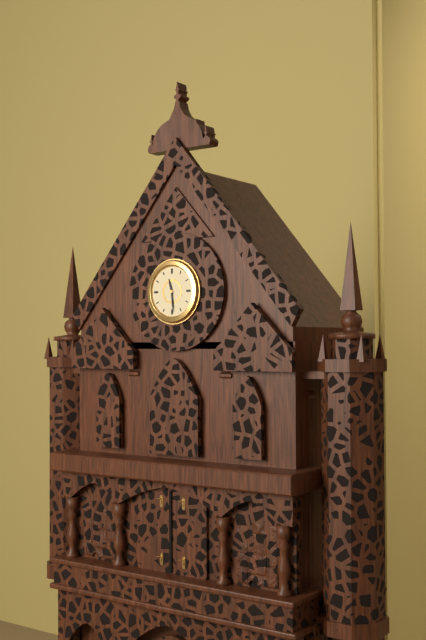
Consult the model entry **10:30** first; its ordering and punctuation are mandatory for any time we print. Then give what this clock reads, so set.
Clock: **11:29**
